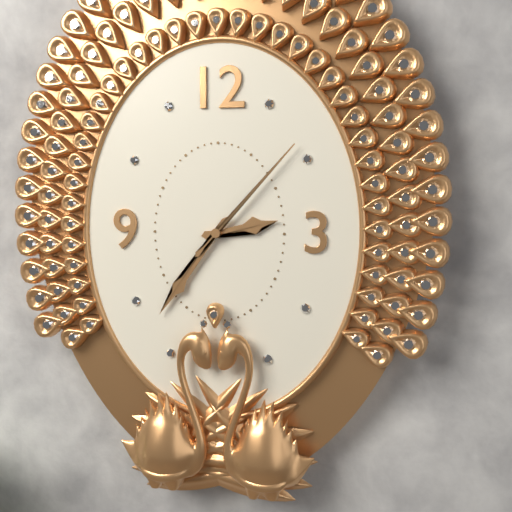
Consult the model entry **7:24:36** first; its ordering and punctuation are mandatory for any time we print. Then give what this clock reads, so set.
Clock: **2:36:07**
